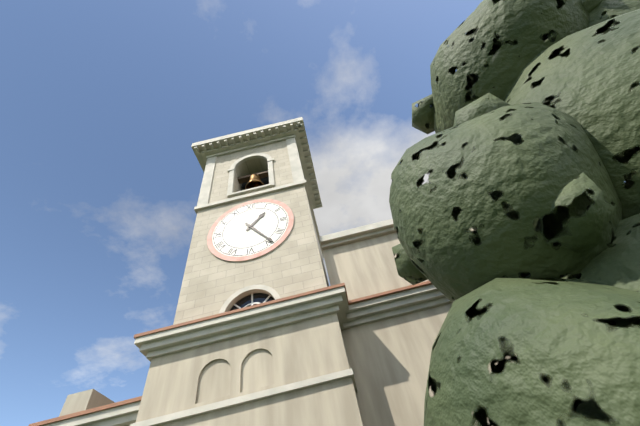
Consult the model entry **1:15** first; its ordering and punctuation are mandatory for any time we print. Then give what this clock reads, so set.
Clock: **1:24**
